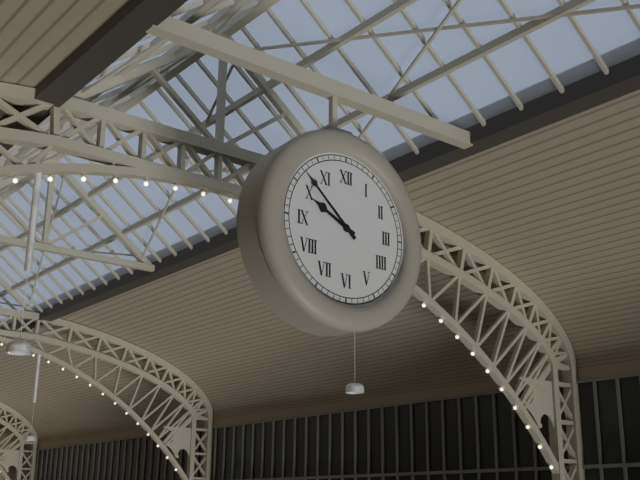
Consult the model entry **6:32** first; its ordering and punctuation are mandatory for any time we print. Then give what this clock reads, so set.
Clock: **9:52**
